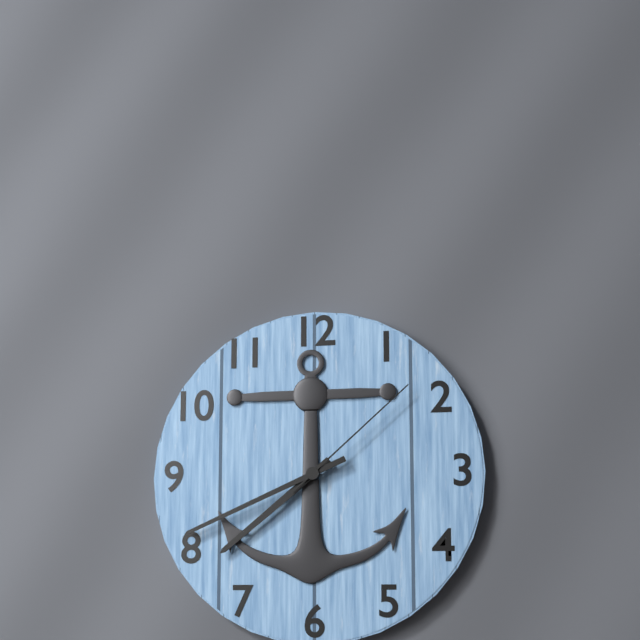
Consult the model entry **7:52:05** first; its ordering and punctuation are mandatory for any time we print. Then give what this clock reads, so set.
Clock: **7:41:08**
